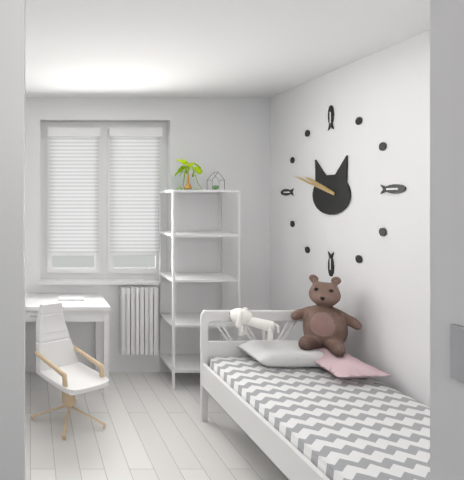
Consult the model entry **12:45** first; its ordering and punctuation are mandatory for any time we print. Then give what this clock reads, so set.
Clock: **9:48**
